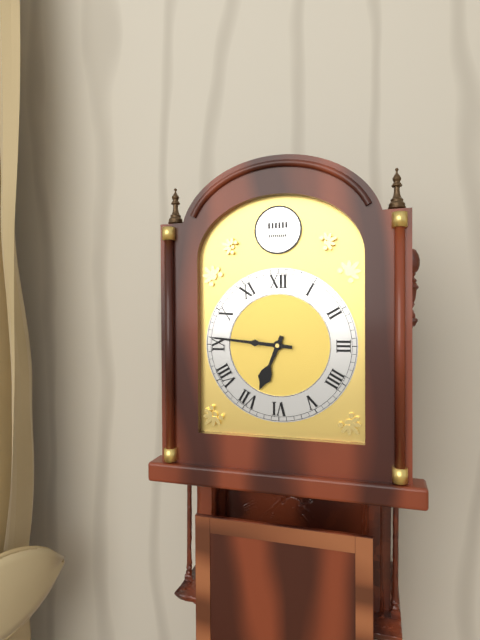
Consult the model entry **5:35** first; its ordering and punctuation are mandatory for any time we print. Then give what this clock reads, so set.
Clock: **6:46**
